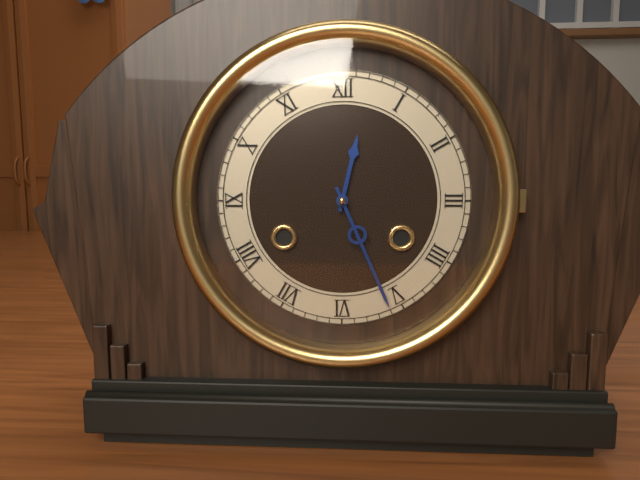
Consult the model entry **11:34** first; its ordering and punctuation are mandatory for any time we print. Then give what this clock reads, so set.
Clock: **12:26**
